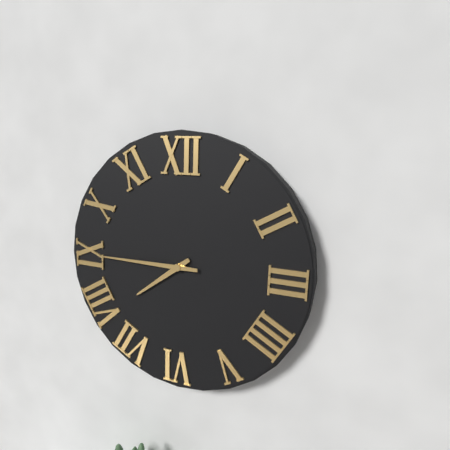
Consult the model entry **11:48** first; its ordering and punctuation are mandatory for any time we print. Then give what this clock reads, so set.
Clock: **7:45**
